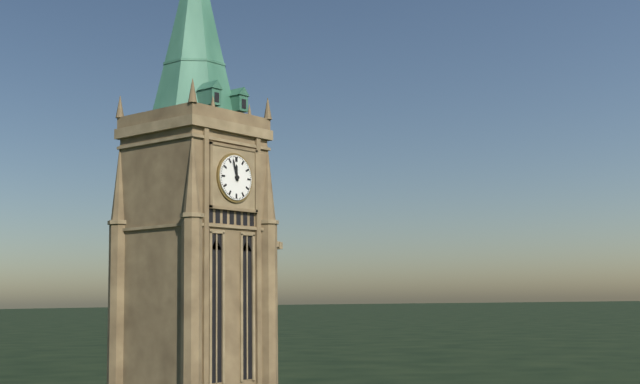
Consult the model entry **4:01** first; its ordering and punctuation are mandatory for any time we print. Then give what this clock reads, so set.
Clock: **11:57**
